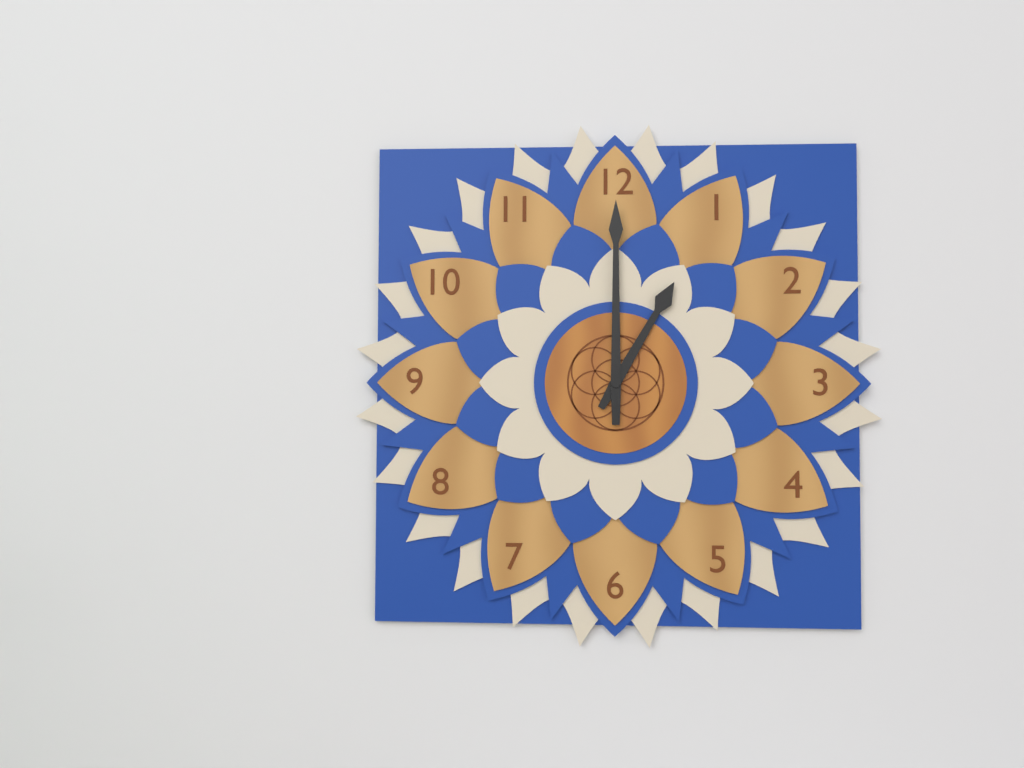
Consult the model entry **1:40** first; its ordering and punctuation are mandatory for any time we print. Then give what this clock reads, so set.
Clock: **1:00**
